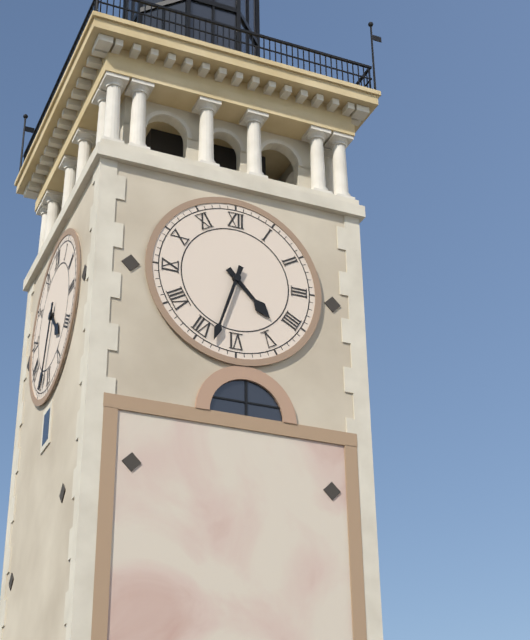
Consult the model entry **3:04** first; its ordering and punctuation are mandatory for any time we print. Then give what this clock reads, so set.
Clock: **4:33**
